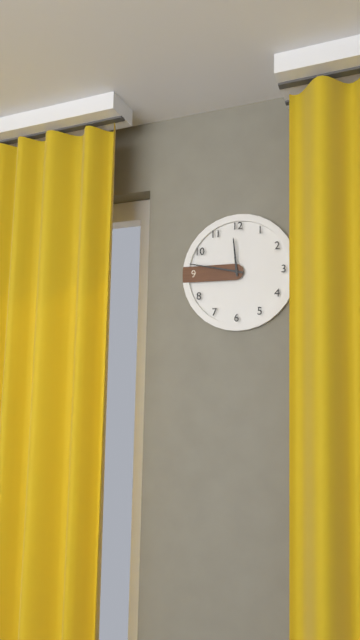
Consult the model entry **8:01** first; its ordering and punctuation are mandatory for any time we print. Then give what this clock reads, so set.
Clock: **11:47**
